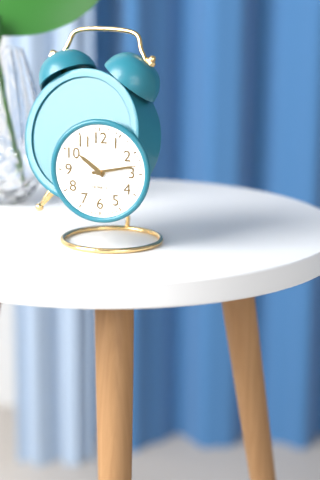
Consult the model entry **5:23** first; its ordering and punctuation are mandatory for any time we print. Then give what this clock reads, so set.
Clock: **10:13**
